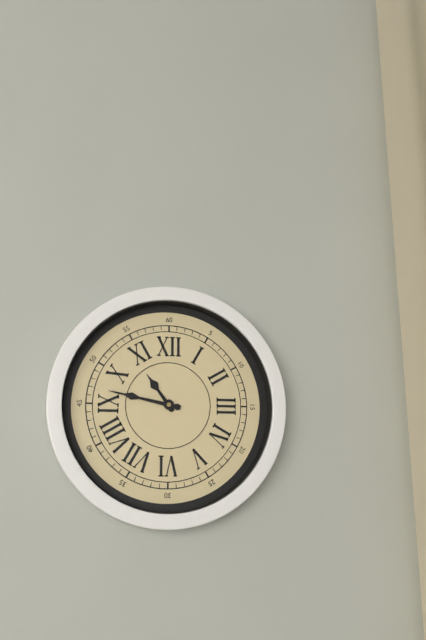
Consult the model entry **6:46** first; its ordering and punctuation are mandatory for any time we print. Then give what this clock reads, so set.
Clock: **10:47**
